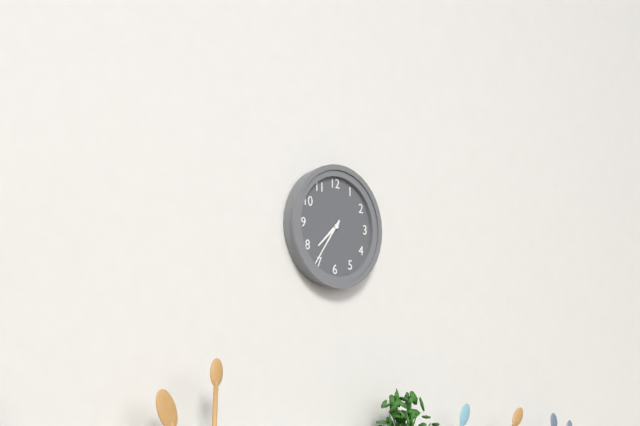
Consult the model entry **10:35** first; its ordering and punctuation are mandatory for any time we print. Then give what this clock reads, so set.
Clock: **7:36**
